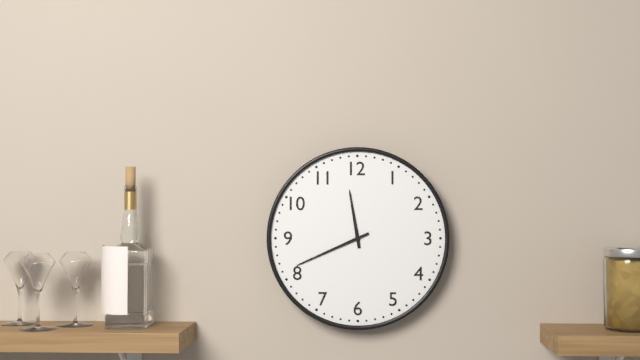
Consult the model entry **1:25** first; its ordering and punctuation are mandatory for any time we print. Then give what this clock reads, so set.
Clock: **11:41**
